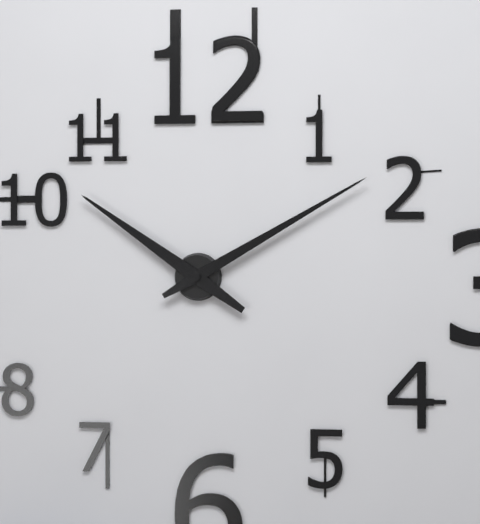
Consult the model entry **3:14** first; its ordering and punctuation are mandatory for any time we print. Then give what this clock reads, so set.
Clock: **10:10**
